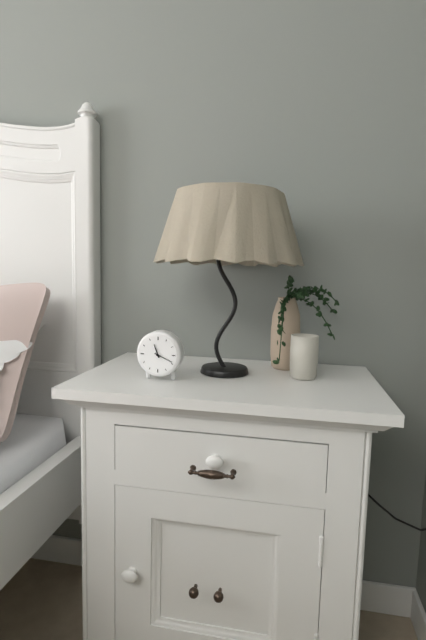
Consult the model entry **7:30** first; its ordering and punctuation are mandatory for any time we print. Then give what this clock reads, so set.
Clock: **11:19**
